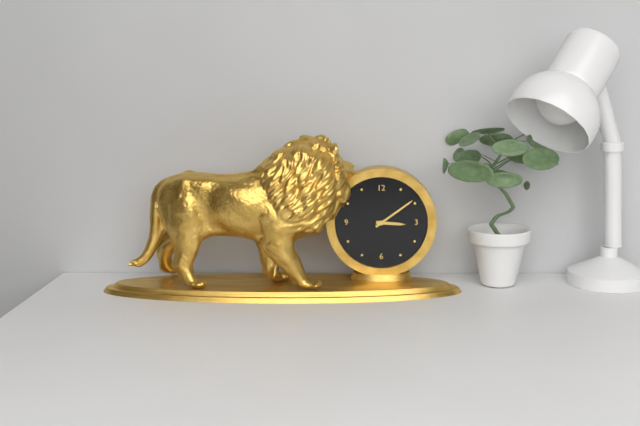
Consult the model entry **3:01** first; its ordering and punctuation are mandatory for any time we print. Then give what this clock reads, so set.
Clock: **3:09**
